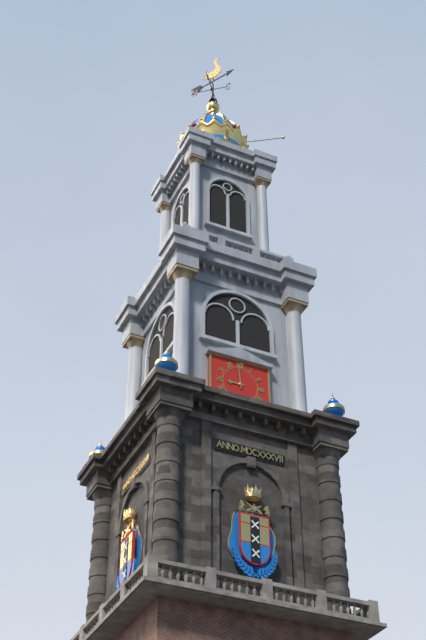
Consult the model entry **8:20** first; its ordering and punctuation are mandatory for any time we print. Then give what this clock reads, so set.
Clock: **8:59**
